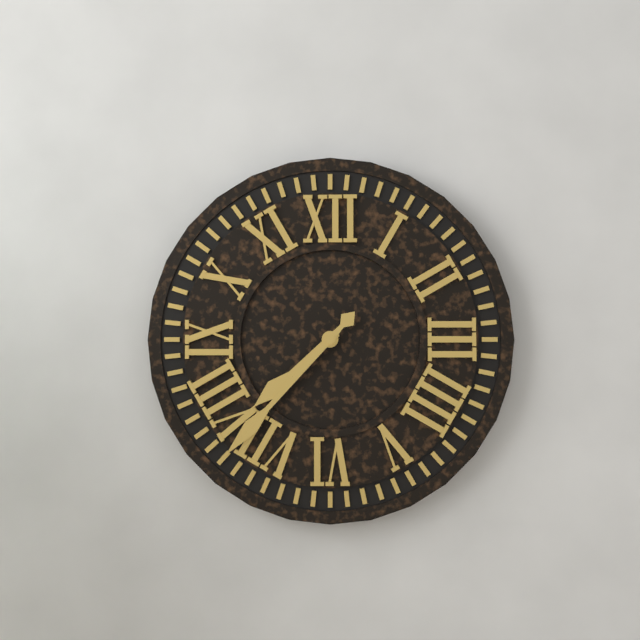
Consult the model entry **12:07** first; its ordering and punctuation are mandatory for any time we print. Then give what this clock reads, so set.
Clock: **7:37**
